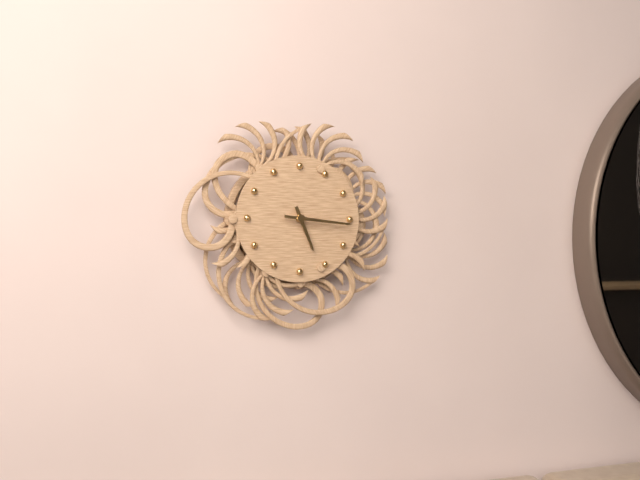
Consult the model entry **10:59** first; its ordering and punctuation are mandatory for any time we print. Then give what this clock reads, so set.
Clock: **5:16**
